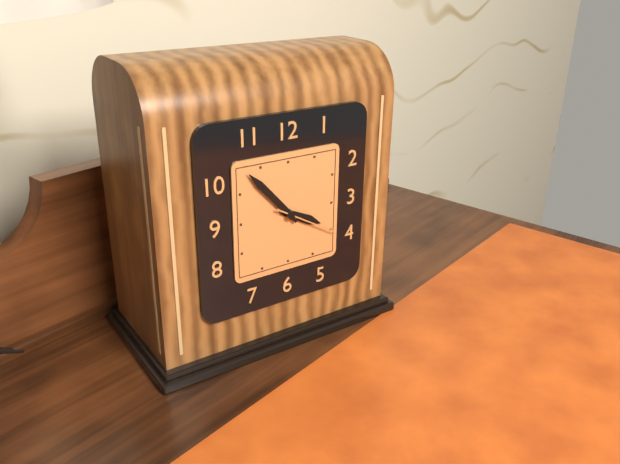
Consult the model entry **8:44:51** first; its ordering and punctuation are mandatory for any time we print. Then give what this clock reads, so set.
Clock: **3:53:20**
